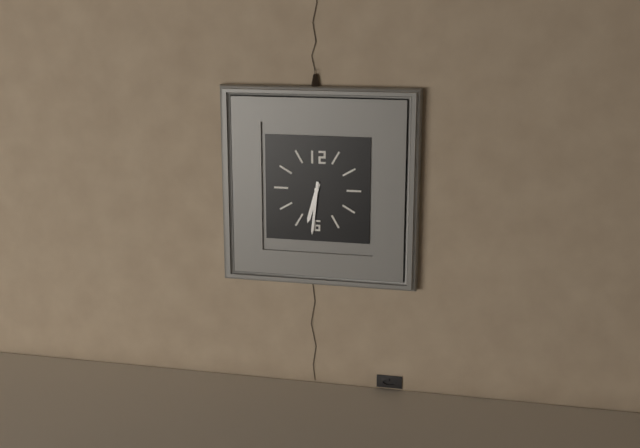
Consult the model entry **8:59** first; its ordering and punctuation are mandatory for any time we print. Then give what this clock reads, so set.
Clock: **6:31**
